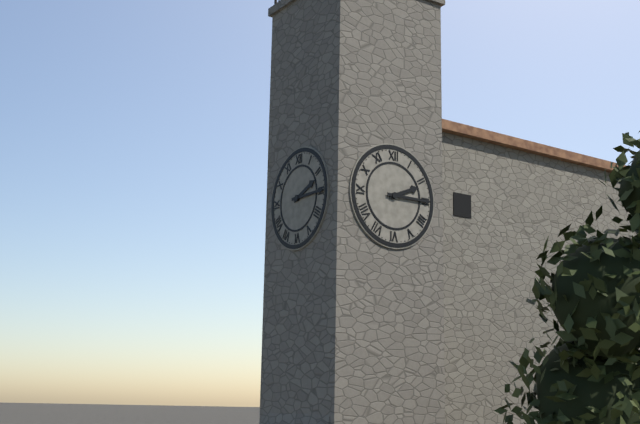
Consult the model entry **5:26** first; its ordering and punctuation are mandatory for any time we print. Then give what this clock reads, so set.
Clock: **2:15**
